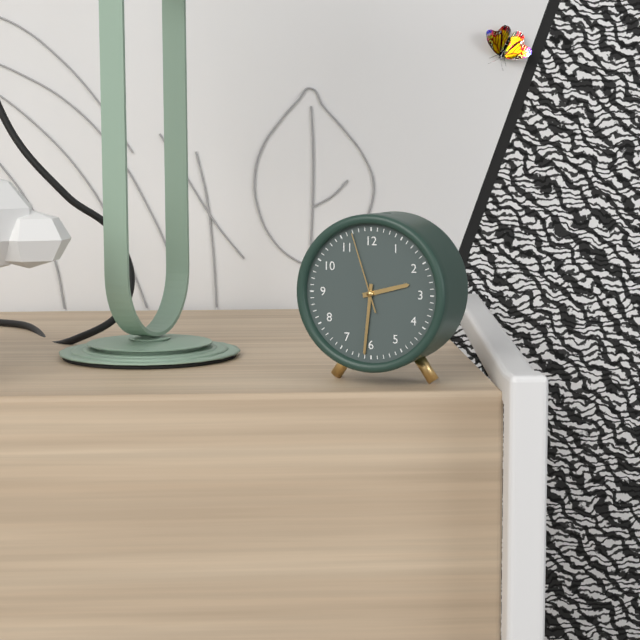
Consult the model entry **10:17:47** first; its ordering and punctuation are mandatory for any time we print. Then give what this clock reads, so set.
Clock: **2:31:57**
